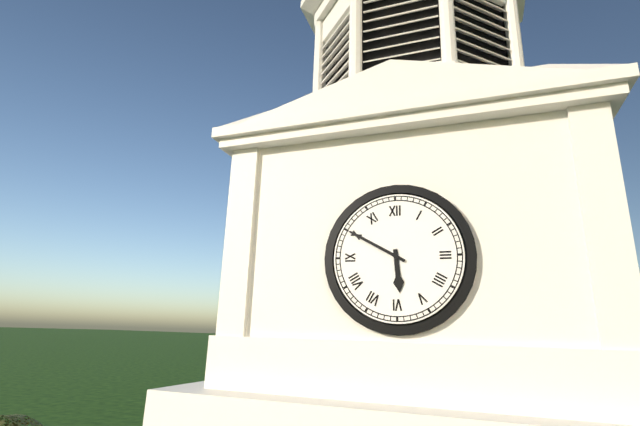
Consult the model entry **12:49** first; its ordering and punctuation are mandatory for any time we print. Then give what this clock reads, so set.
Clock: **5:50**
